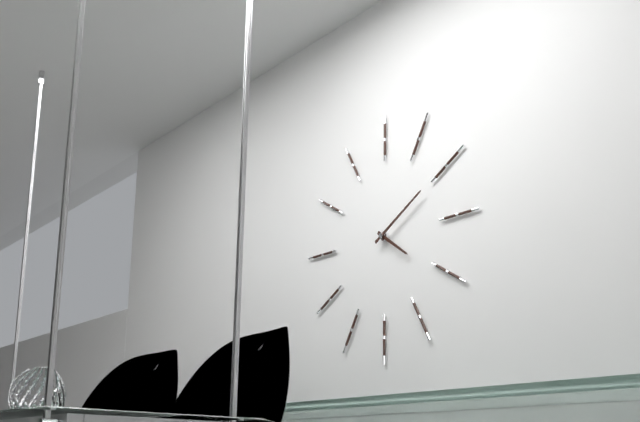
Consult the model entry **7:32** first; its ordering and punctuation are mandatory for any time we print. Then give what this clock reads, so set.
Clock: **4:10**
